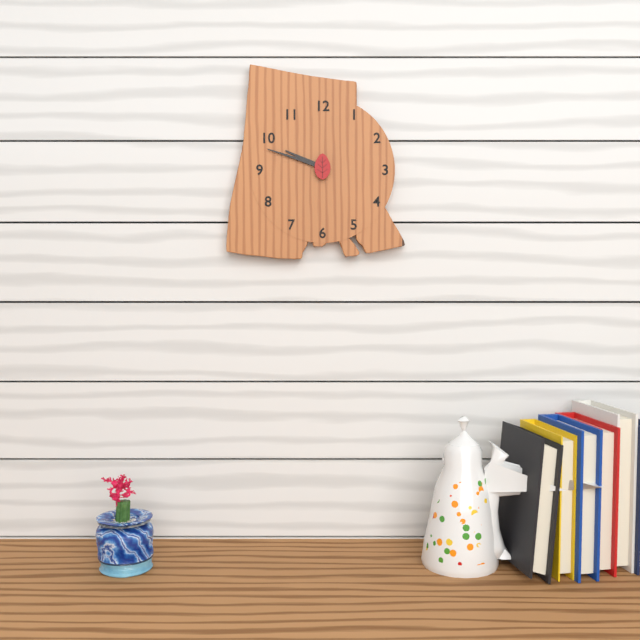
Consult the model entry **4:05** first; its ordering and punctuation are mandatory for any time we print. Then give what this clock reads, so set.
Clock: **9:48**
